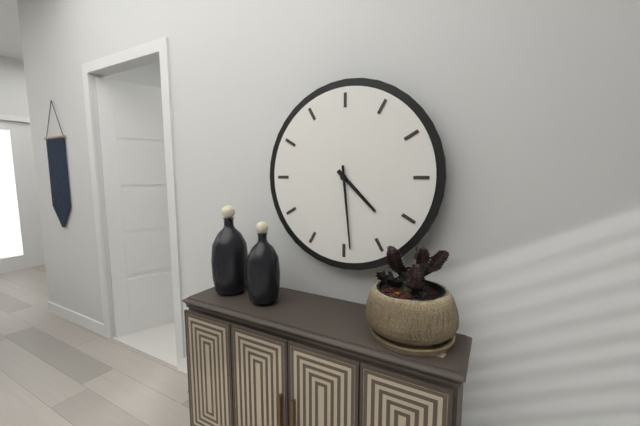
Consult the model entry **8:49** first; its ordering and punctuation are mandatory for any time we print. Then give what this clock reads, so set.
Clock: **4:29**
